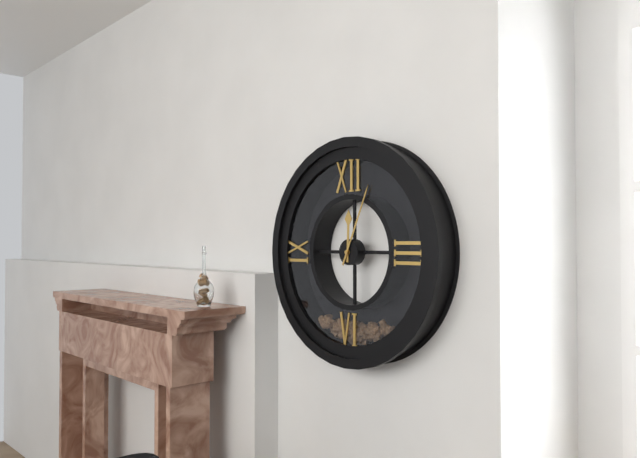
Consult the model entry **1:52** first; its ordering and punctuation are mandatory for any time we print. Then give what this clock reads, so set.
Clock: **12:04**
